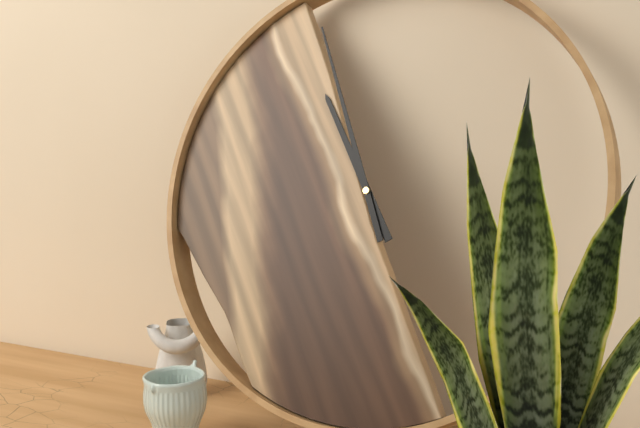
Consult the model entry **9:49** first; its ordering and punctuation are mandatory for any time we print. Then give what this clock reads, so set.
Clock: **10:56**
